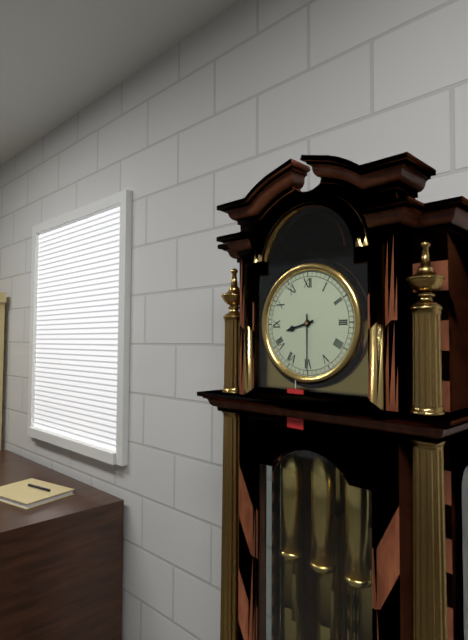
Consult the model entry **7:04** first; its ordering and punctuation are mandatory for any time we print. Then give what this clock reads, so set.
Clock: **8:30**
